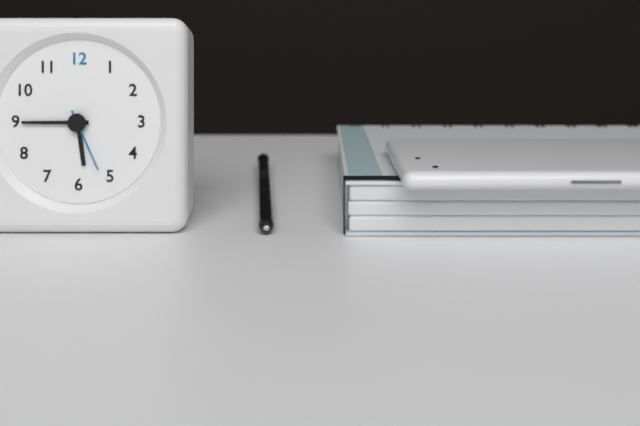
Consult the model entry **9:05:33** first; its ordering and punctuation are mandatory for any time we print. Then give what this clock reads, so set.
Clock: **5:45:26**
